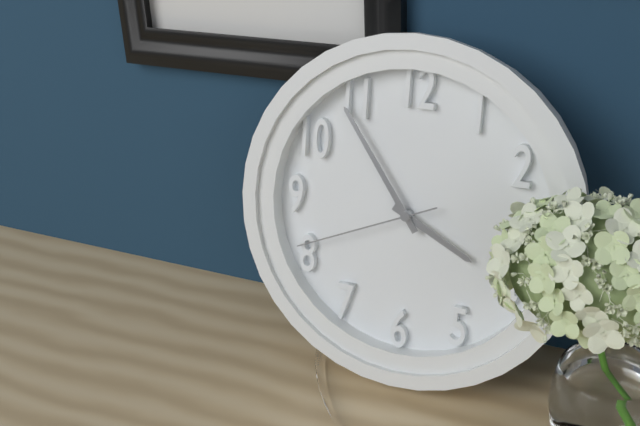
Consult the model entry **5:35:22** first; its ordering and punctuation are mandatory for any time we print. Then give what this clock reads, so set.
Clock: **3:54:41**
